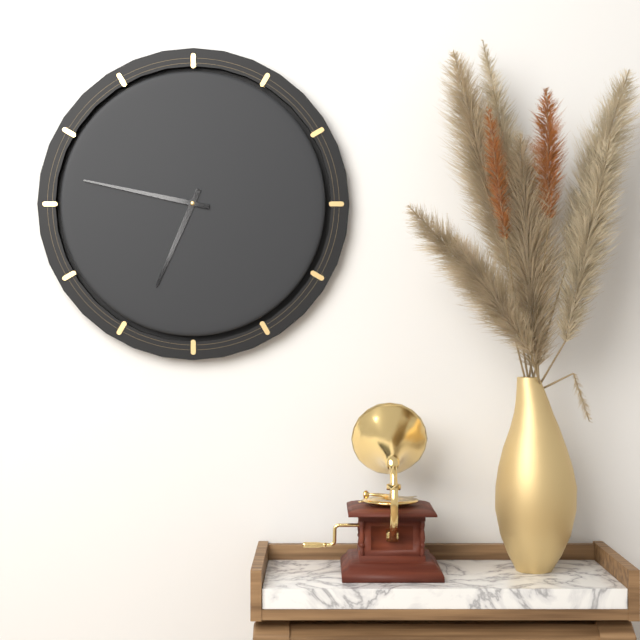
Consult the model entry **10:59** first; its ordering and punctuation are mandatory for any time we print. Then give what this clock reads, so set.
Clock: **6:47**
